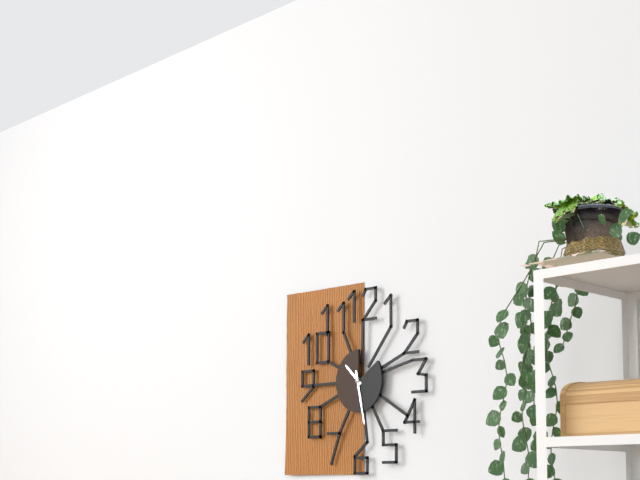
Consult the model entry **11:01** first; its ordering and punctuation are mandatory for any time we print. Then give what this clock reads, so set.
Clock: **10:28**
